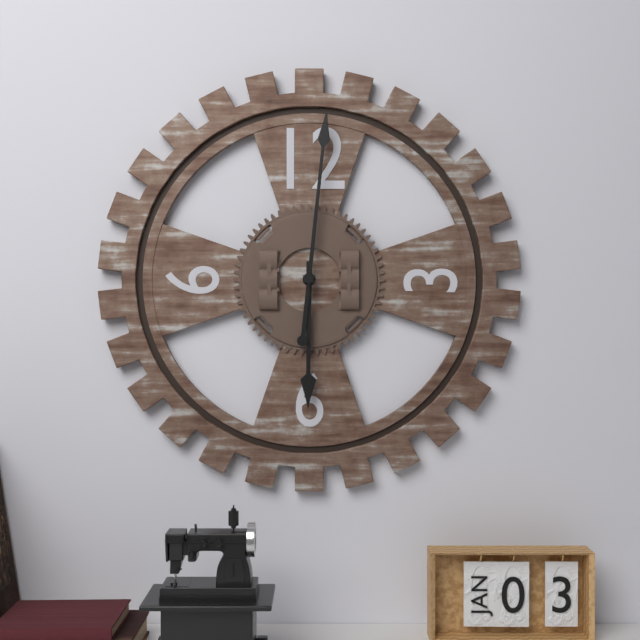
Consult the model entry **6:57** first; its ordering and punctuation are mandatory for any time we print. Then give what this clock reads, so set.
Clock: **6:01**
